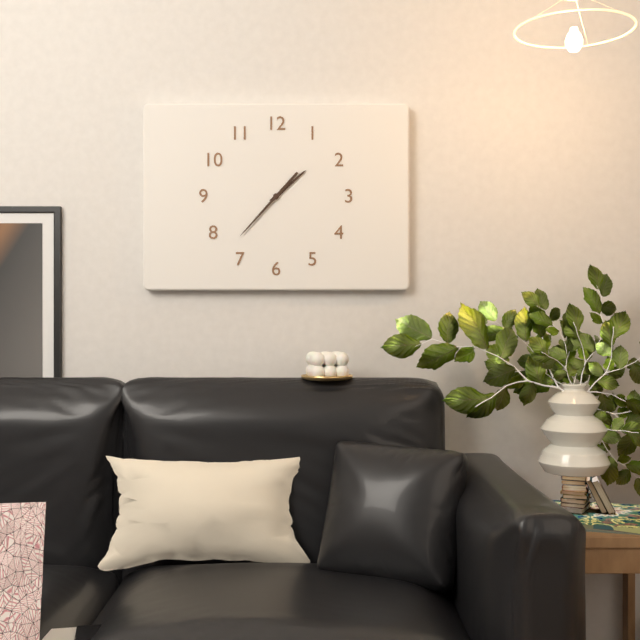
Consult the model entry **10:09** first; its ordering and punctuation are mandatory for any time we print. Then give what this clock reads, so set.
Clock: **1:37**
